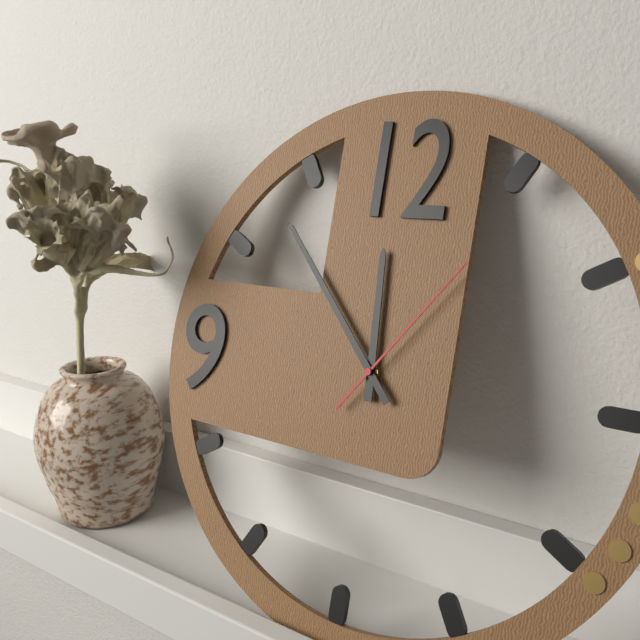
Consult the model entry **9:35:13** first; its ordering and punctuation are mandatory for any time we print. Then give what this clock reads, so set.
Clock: **11:53:06**
